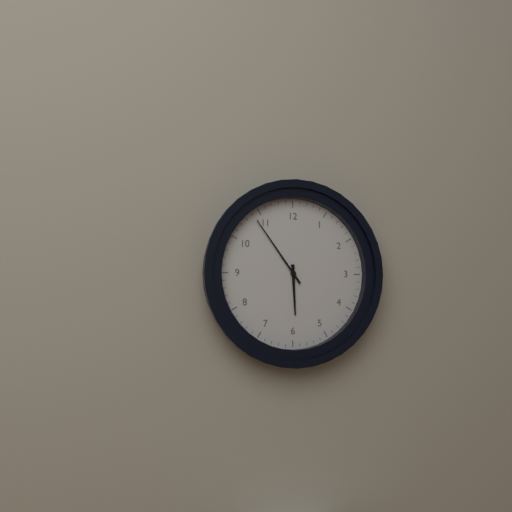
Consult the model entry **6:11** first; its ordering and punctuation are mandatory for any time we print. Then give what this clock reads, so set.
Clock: **5:54**
